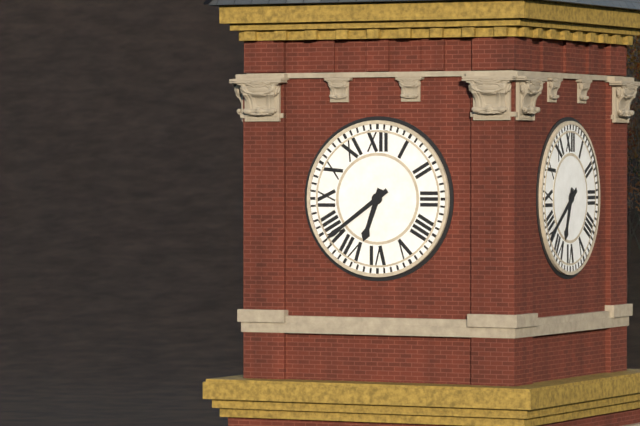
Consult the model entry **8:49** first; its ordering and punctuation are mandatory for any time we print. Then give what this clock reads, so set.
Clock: **6:39**
